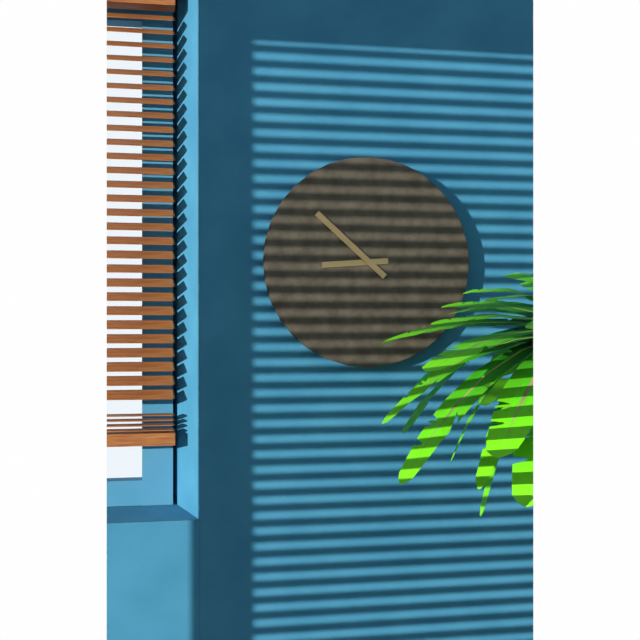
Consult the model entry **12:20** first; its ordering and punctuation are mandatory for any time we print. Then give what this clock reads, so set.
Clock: **8:52**
